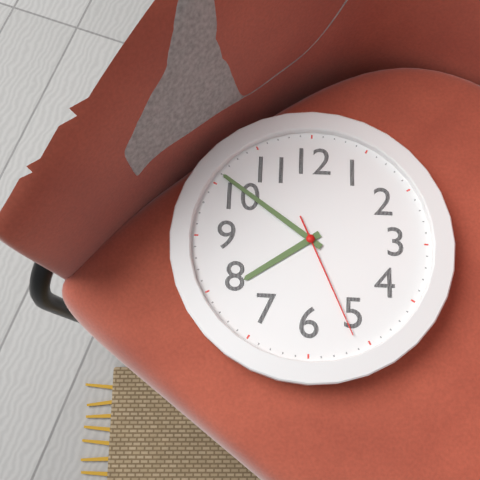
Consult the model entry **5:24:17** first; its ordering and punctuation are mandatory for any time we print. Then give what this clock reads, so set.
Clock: **7:51:26**
